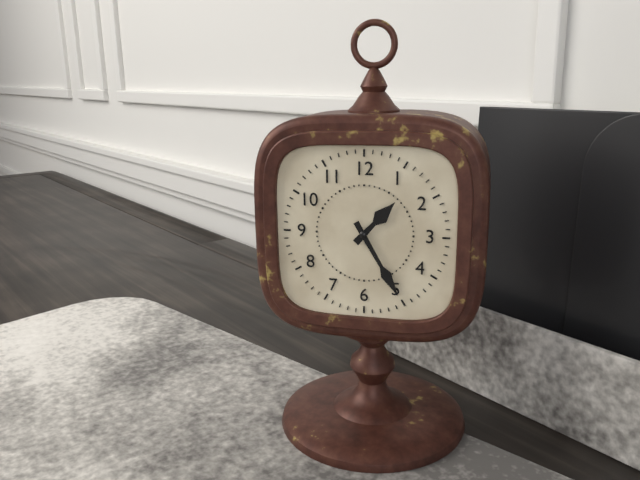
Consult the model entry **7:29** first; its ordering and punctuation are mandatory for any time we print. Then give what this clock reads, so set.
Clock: **1:25**
